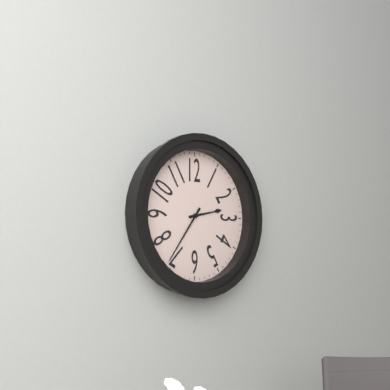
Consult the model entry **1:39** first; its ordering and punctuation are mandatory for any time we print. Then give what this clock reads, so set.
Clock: **2:36**
